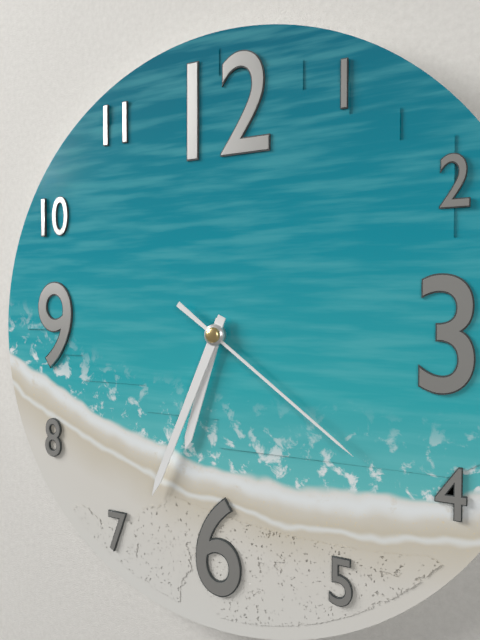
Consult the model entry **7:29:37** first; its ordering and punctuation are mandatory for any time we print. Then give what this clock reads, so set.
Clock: **6:34:21**
